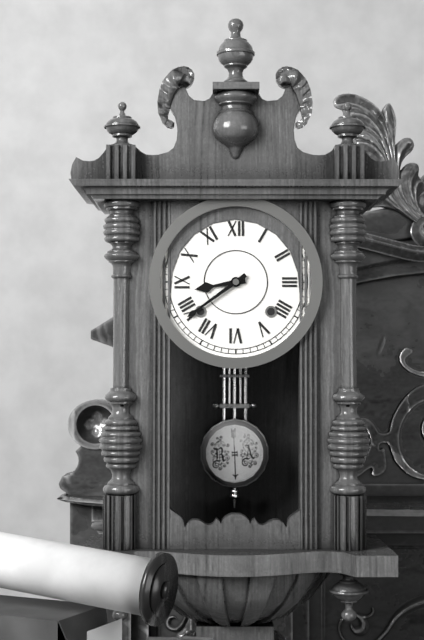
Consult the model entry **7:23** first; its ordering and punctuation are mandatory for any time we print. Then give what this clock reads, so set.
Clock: **8:39**
